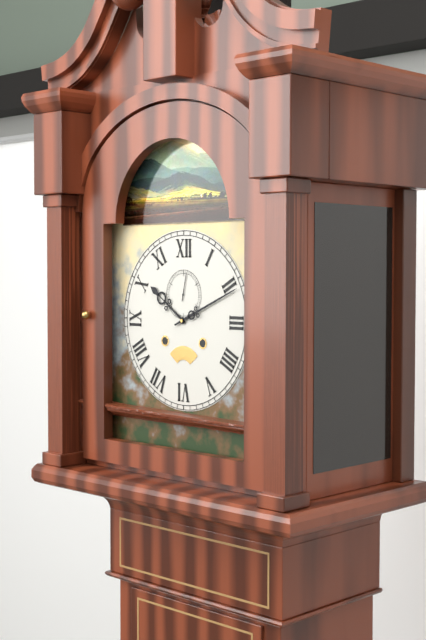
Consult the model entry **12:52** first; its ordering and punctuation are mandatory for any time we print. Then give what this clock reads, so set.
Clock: **10:11**
